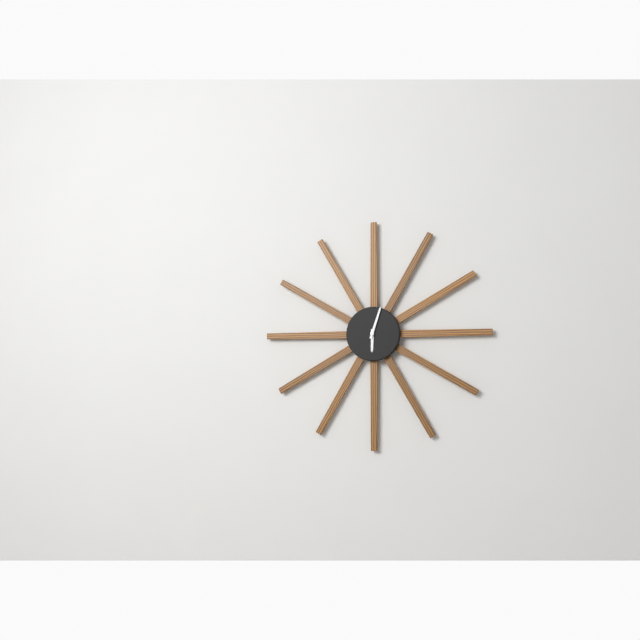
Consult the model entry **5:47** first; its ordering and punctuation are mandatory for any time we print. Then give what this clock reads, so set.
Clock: **6:03**
